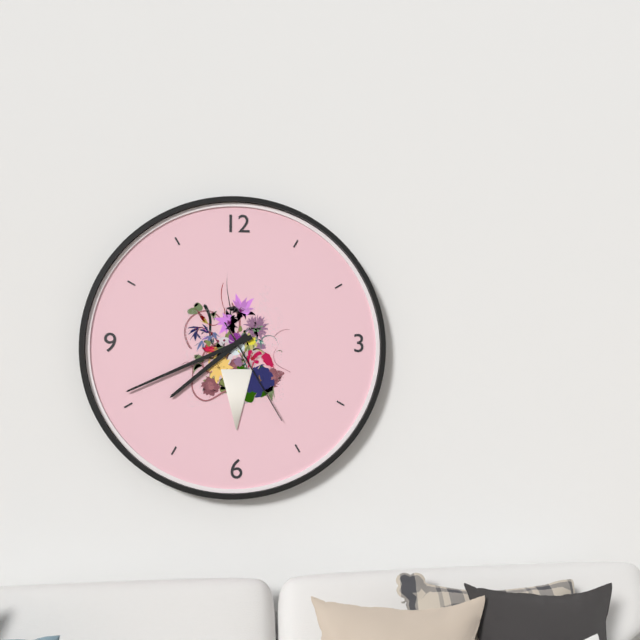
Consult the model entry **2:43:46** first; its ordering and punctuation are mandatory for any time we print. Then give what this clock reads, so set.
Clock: **7:41:25**
